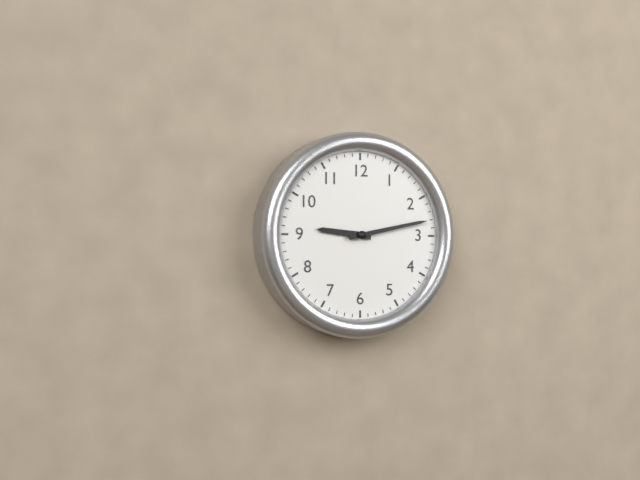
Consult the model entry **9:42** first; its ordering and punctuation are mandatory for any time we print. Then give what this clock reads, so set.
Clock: **9:13**
